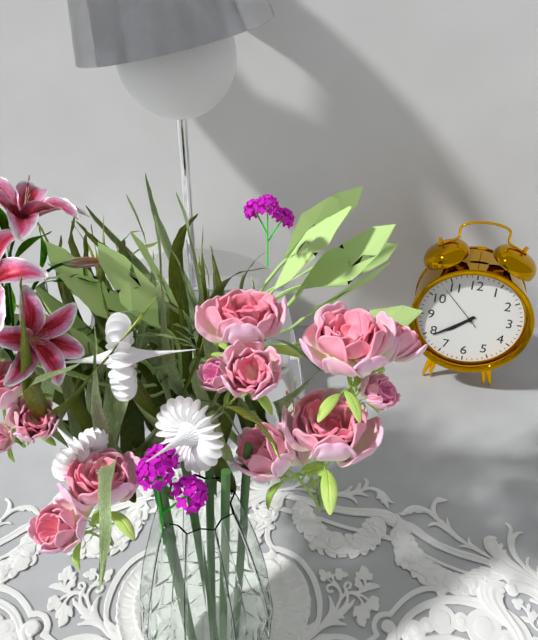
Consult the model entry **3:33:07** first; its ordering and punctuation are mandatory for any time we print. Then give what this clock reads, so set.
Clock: **7:39:53**
